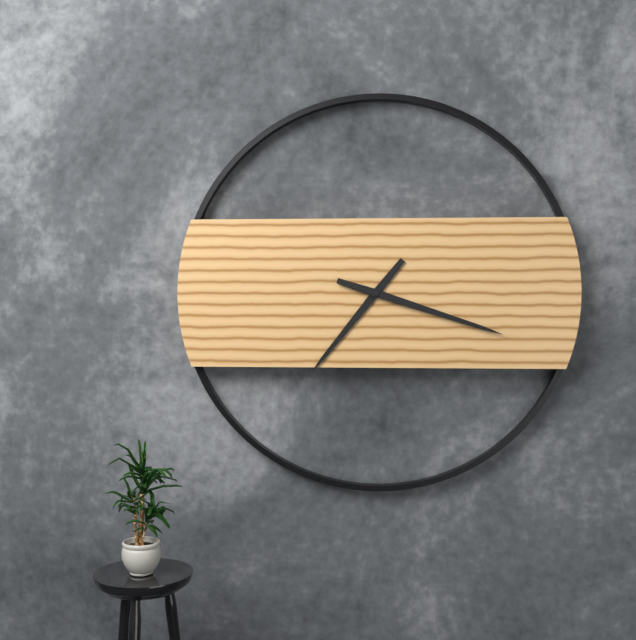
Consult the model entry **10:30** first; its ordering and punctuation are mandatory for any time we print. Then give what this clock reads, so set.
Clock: **7:18**
